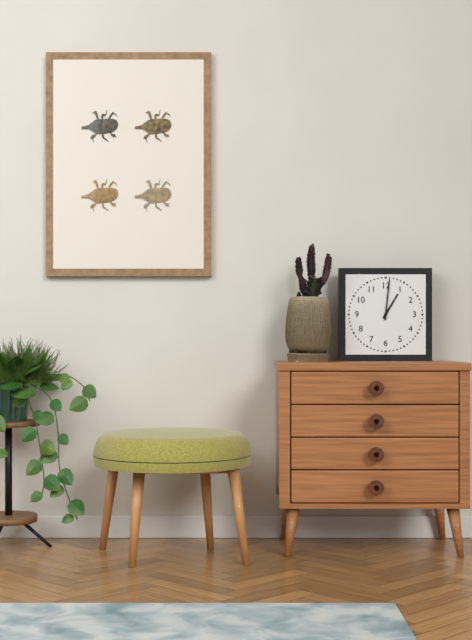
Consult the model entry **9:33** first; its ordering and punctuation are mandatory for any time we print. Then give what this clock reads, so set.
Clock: **1:01**
